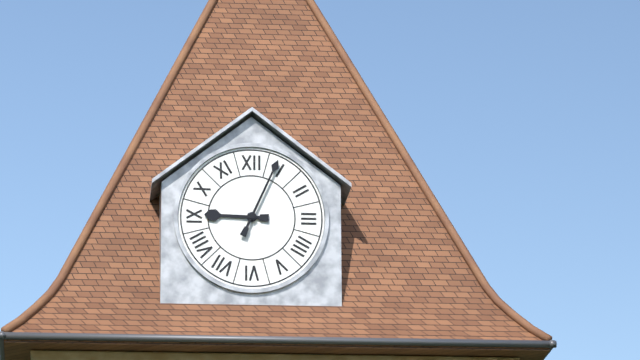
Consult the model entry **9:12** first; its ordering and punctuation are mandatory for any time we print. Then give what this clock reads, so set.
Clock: **9:04**
